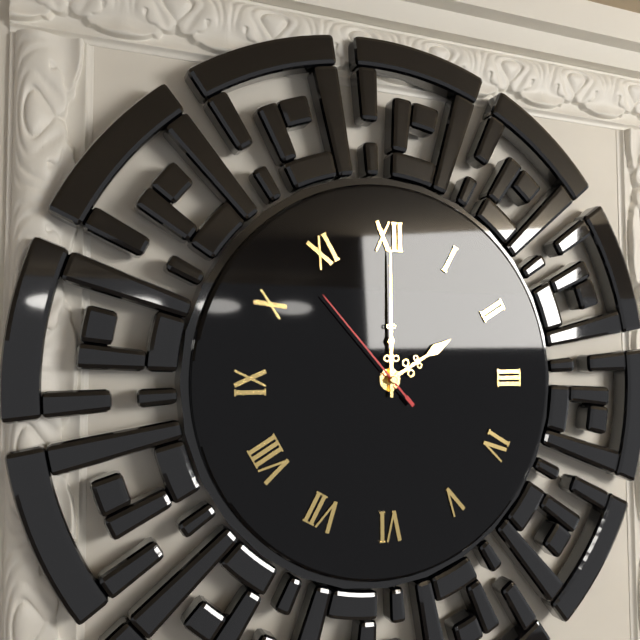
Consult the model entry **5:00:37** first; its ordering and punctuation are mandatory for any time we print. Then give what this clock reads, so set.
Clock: **2:00:53**
